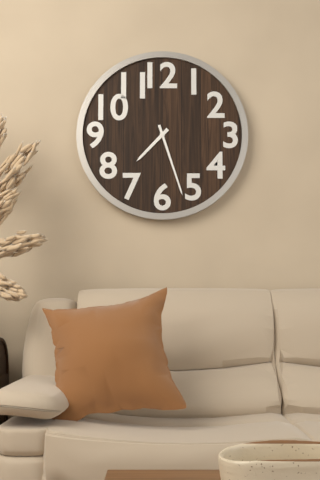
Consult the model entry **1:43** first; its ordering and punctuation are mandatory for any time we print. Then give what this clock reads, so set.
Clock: **7:27**
